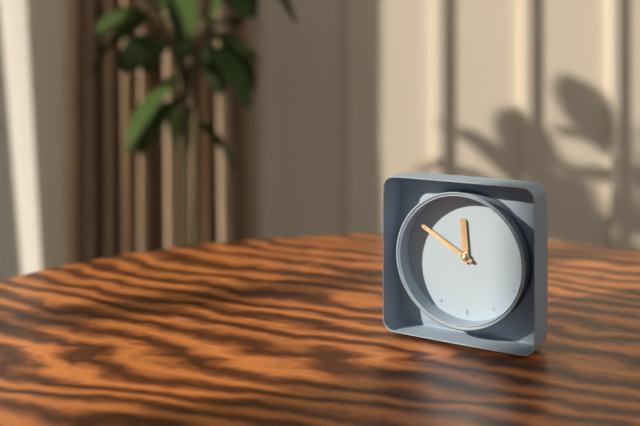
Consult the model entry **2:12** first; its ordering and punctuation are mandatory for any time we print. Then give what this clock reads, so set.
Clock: **11:50**
